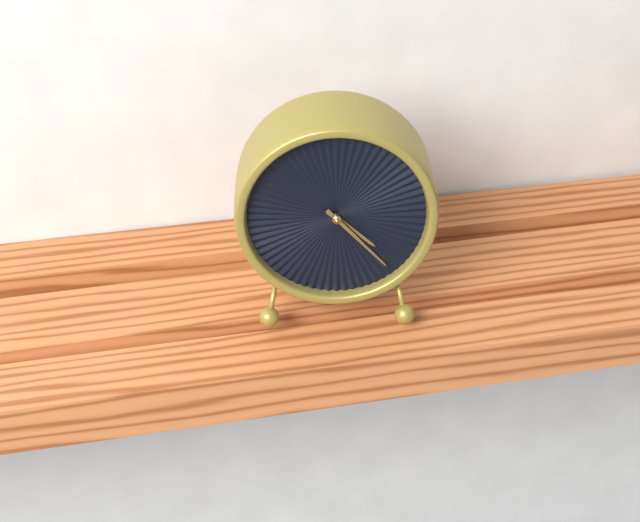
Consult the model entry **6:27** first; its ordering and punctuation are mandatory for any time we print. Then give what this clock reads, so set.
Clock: **4:23**
